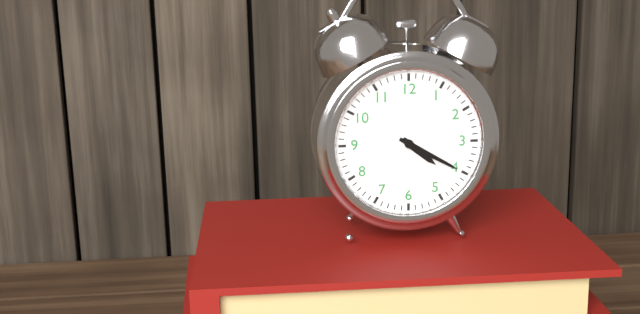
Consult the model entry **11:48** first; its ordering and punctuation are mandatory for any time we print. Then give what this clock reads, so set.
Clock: **4:20**
